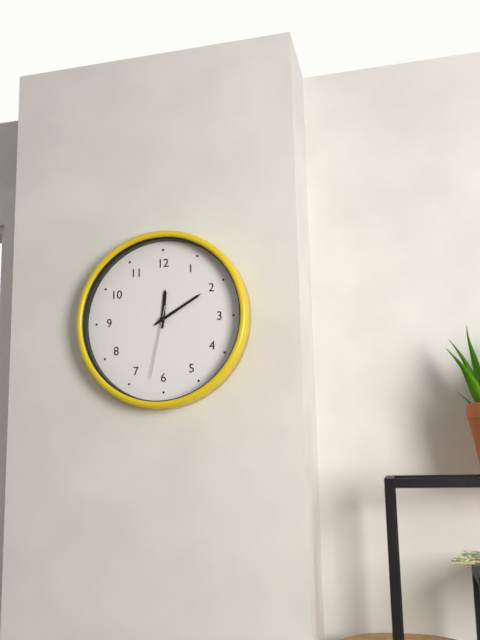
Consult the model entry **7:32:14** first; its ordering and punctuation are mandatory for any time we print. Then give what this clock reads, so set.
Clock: **12:10:32**
